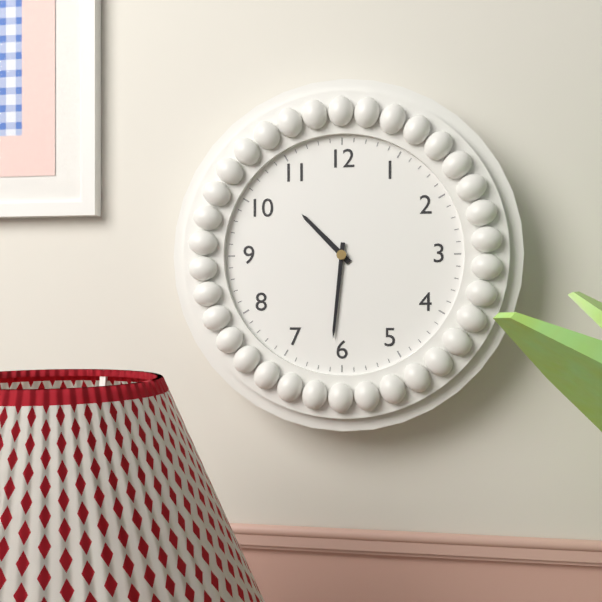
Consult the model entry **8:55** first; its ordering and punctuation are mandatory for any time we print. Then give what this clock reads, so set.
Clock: **10:31**
